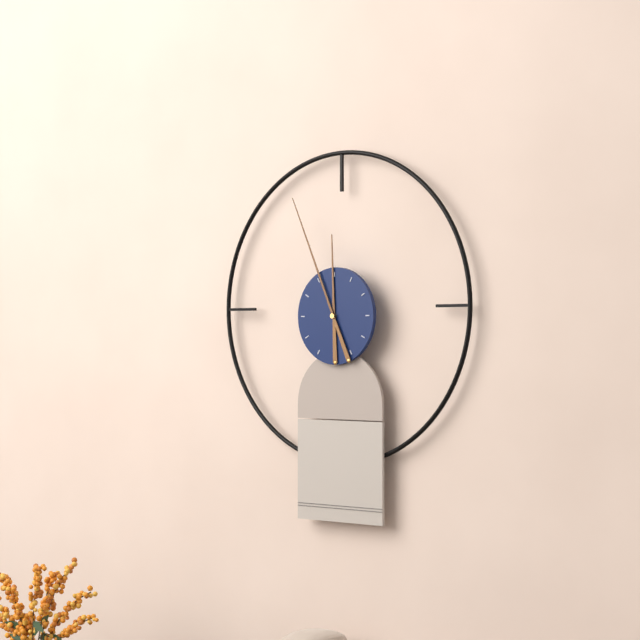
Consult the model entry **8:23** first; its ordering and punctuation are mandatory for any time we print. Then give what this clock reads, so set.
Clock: **11:56**
